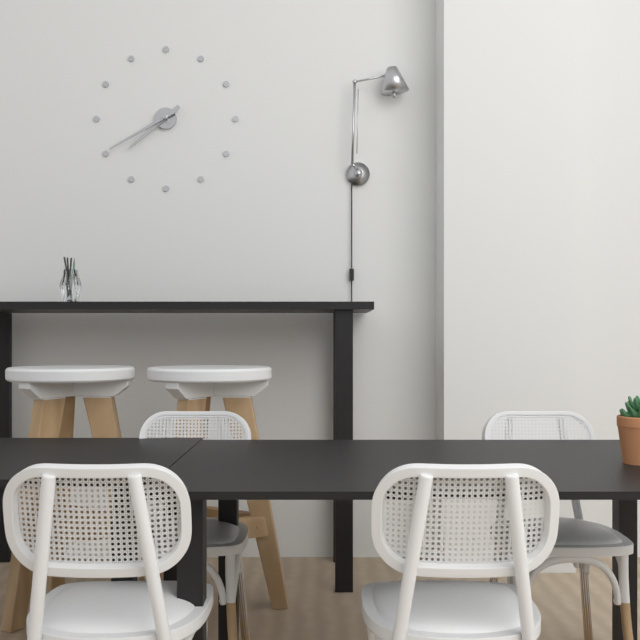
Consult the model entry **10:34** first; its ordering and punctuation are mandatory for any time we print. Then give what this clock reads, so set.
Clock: **7:40**
